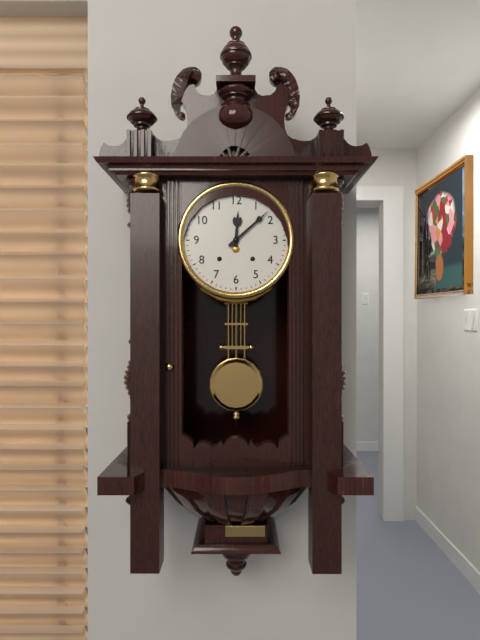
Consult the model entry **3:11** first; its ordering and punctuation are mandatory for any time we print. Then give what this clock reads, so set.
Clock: **12:08**
